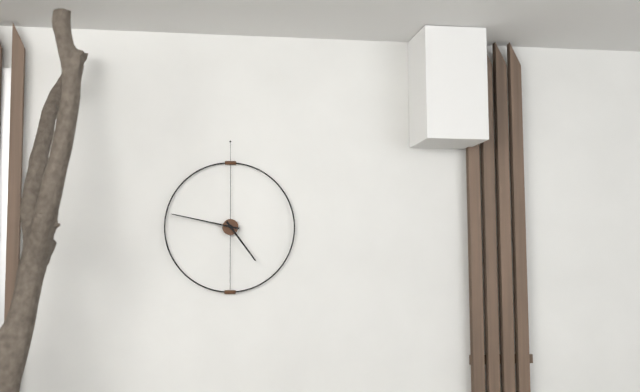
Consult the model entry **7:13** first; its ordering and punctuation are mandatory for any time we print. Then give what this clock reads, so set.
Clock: **4:47**
